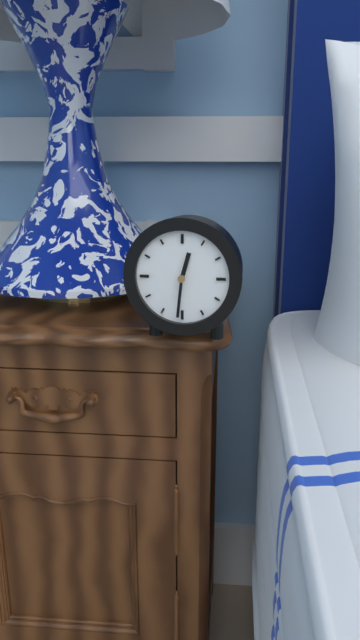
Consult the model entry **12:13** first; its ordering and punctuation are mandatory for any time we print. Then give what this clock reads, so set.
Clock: **12:31**
